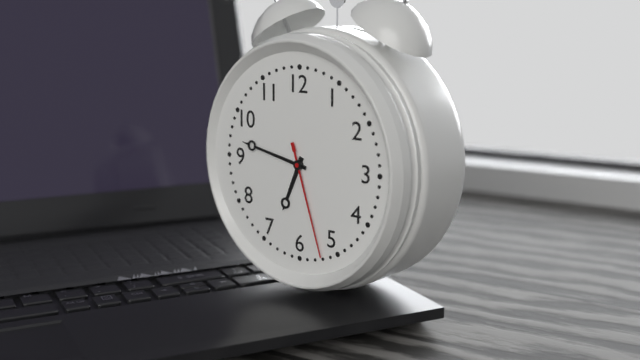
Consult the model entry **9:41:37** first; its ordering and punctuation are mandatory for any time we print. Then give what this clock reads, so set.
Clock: **6:47:27**
